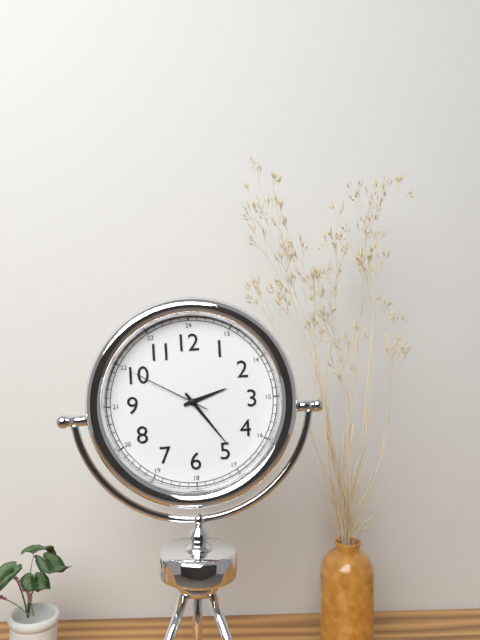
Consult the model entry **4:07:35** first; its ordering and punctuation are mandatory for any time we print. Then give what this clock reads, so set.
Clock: **2:24:50**
